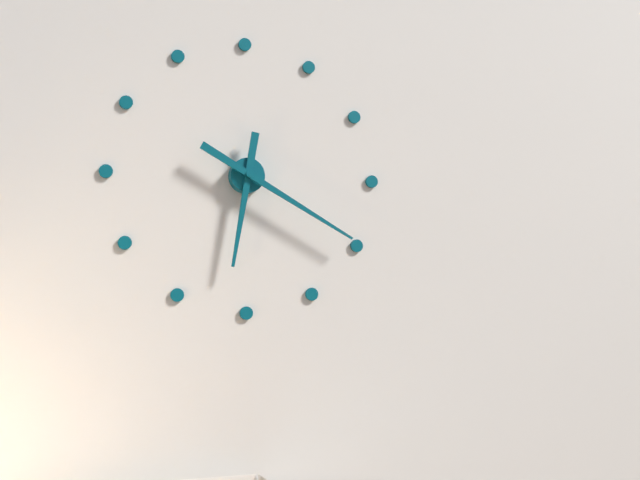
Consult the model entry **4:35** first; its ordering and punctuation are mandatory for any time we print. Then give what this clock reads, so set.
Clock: **6:20**
